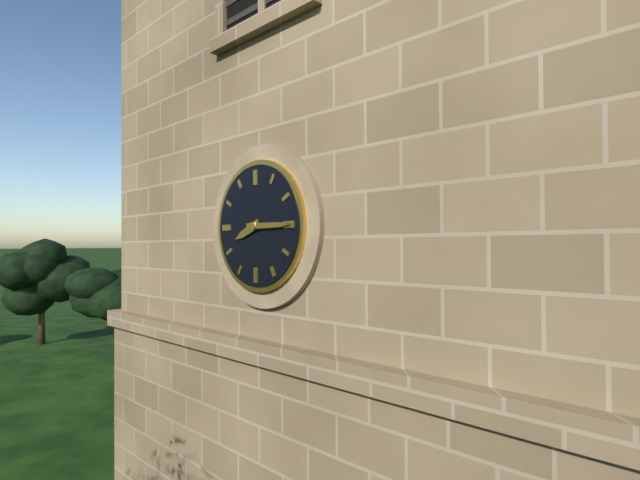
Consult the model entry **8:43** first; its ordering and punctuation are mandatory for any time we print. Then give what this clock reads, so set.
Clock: **8:15**
